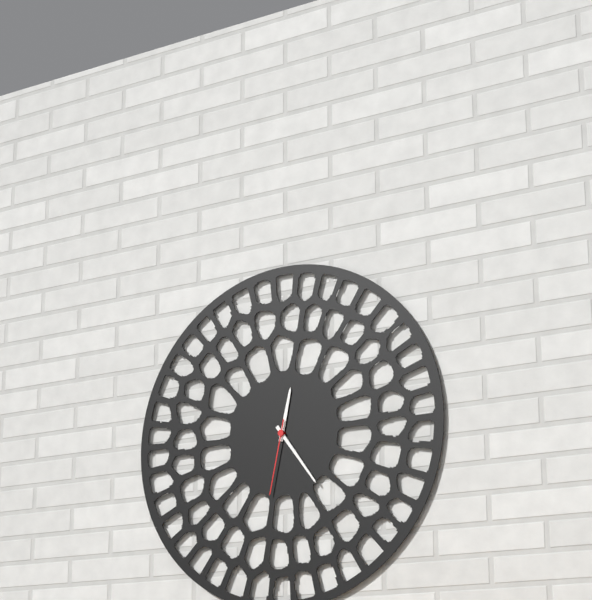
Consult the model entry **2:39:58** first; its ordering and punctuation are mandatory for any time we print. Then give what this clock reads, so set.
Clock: **12:24:32**
